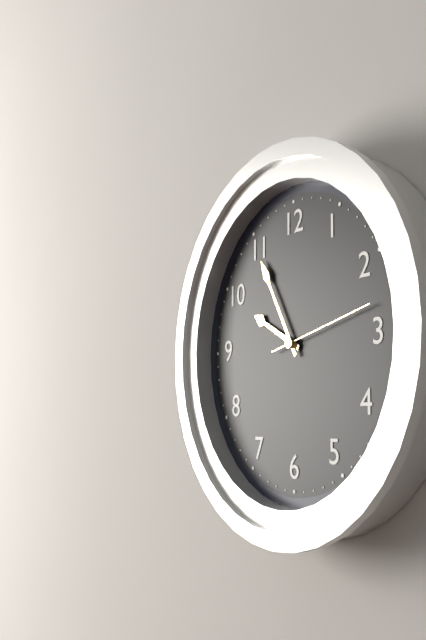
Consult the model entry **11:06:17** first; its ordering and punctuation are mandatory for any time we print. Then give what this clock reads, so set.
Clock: **9:55:13**
